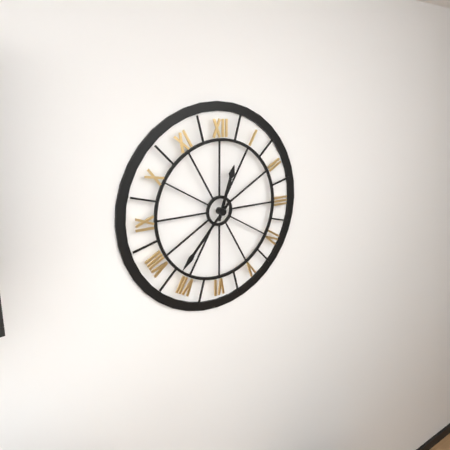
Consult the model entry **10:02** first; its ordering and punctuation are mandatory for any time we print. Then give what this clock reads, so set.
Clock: **12:37**
